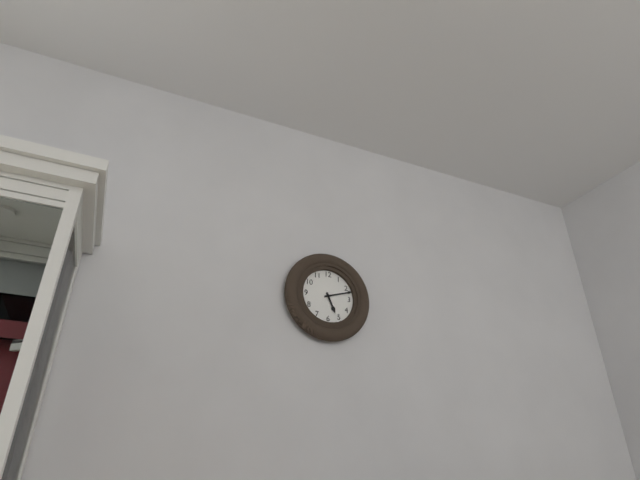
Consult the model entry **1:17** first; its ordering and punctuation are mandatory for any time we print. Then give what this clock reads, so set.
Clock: **5:12**
